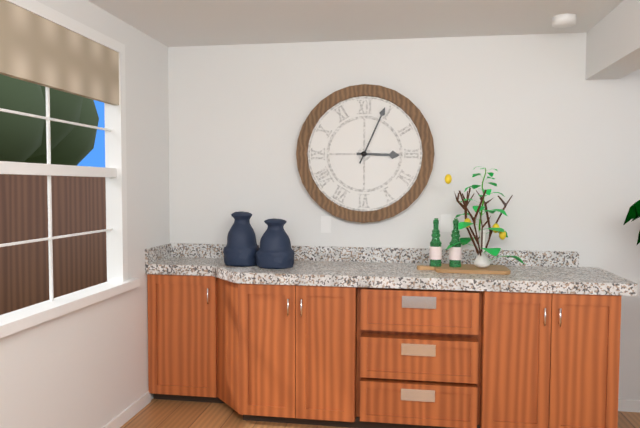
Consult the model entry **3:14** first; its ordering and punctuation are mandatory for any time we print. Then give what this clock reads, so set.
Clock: **3:04**
